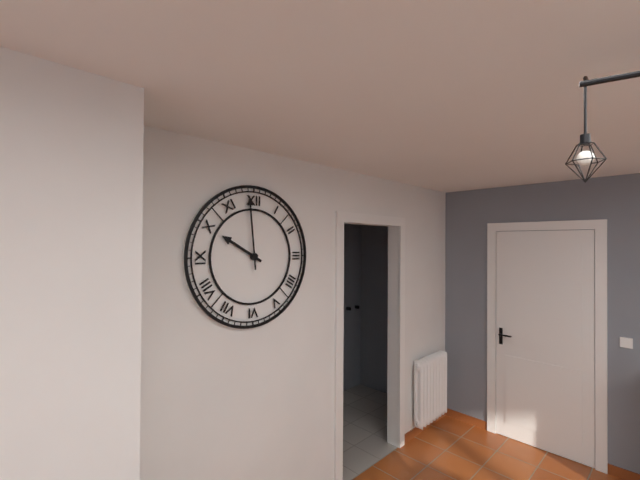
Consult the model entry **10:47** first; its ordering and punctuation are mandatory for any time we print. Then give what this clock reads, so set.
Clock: **9:59**
